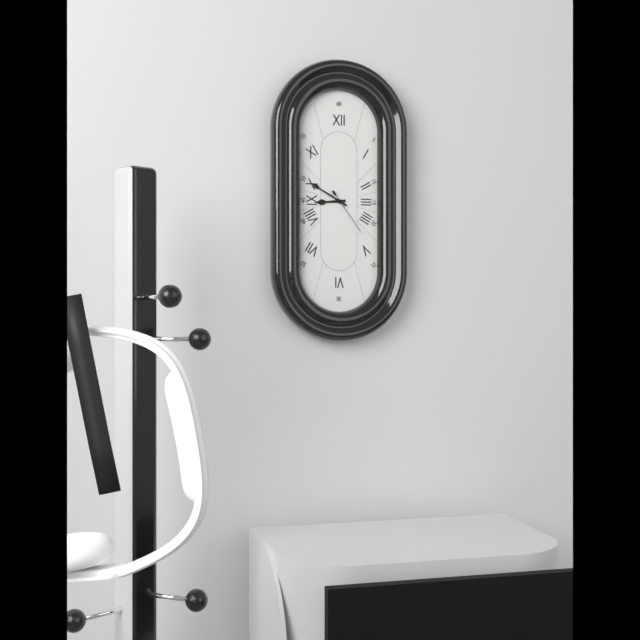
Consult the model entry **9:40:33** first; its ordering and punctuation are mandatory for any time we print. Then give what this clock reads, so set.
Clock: **8:50:24**
